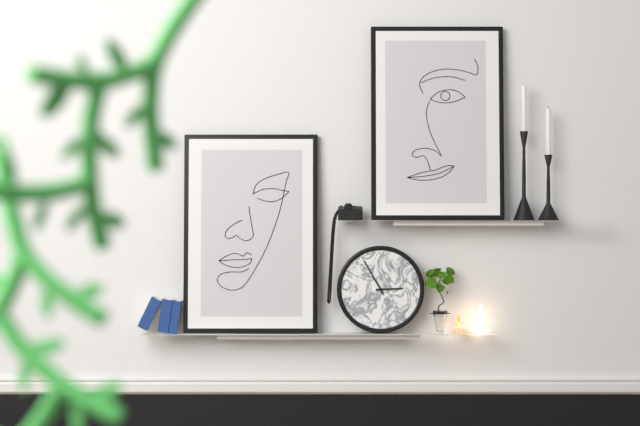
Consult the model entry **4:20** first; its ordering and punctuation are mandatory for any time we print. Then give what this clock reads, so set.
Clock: **2:55**
